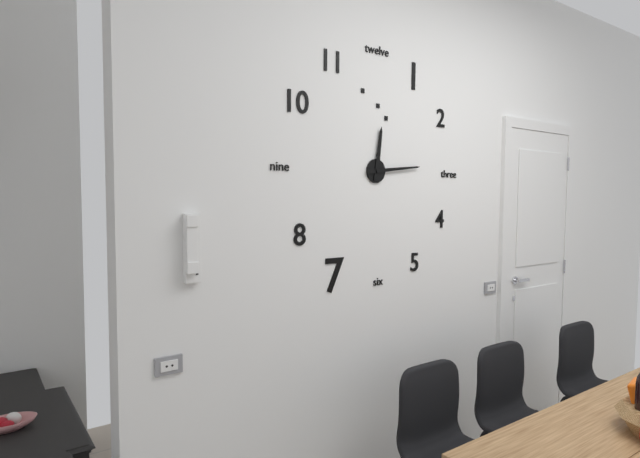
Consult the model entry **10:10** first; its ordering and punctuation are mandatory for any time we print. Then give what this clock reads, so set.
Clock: **12:14**
